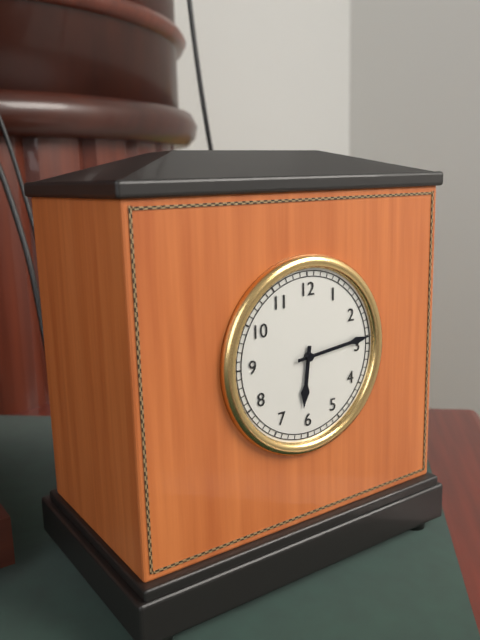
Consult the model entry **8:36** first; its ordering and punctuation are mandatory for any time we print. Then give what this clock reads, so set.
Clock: **6:14**
